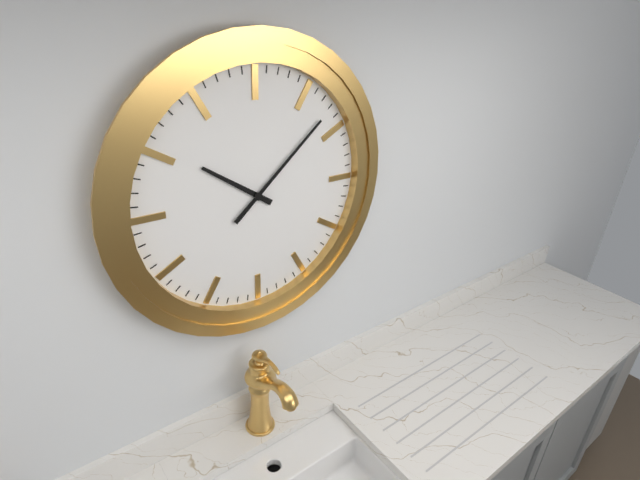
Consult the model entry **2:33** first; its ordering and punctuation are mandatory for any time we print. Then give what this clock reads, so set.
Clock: **10:08**
